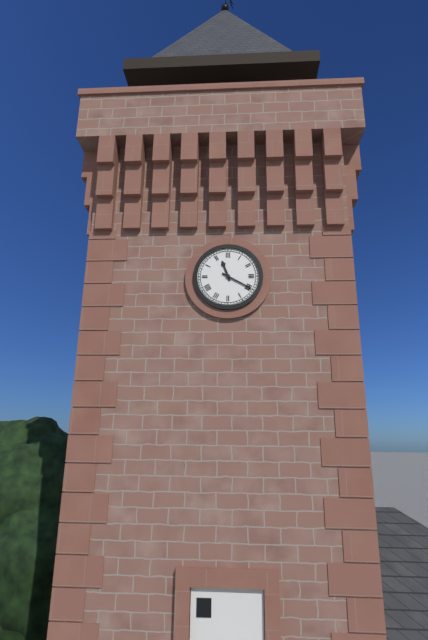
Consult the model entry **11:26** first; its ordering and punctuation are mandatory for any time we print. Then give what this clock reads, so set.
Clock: **11:20**
